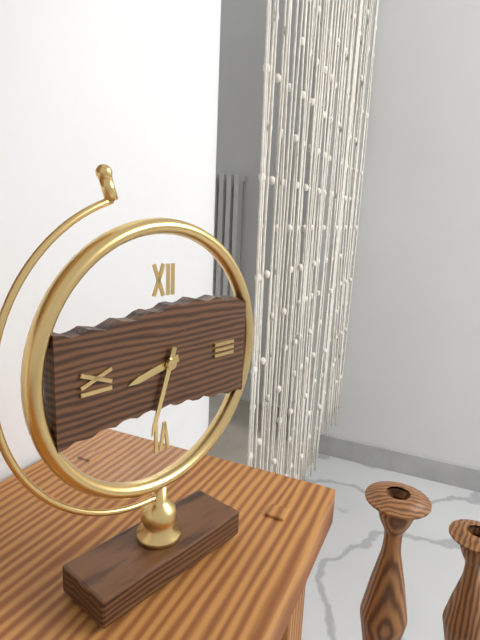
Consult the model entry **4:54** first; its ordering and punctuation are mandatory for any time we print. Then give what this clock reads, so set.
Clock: **8:33**
